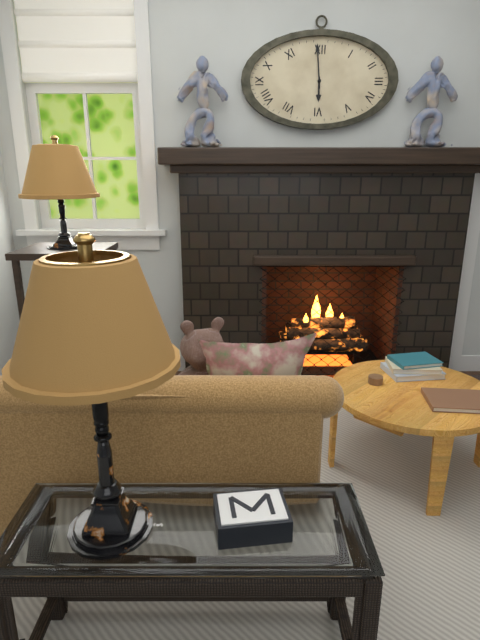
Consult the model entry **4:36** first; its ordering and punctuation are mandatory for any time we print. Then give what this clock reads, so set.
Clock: **5:59**
